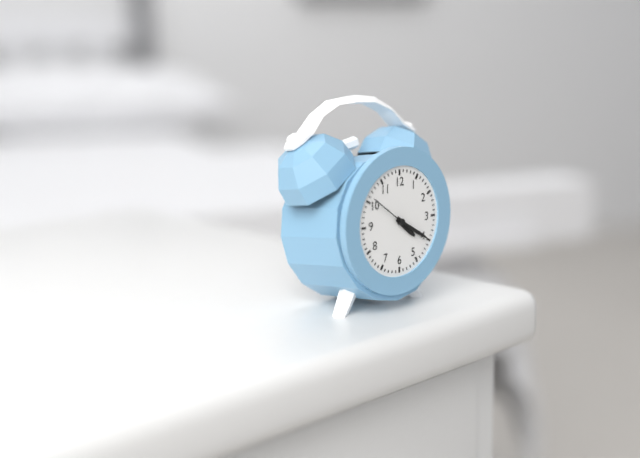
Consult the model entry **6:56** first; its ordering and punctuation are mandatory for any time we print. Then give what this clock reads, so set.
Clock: **4:20**
